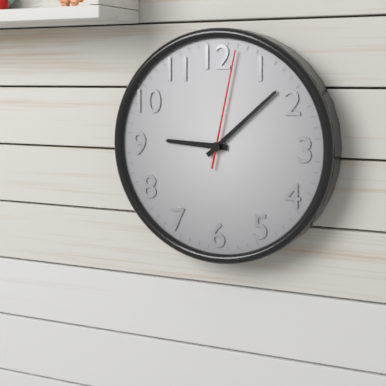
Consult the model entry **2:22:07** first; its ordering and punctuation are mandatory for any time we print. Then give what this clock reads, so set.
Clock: **9:08:02**
